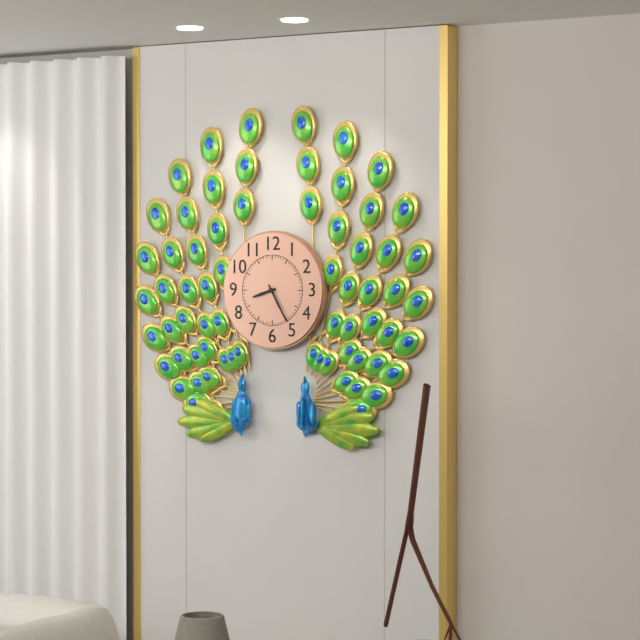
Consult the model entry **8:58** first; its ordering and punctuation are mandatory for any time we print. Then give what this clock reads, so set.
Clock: **8:25**
